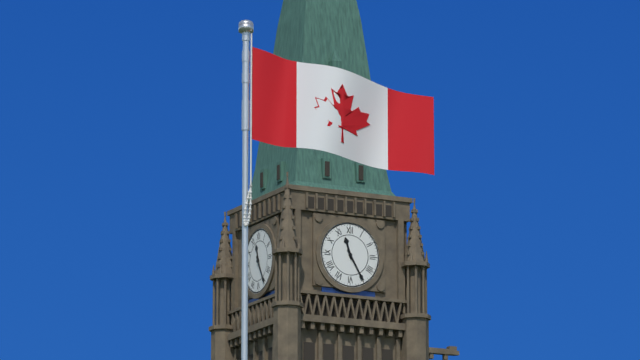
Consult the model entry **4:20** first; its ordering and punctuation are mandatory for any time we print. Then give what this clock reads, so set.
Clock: **11:25**
